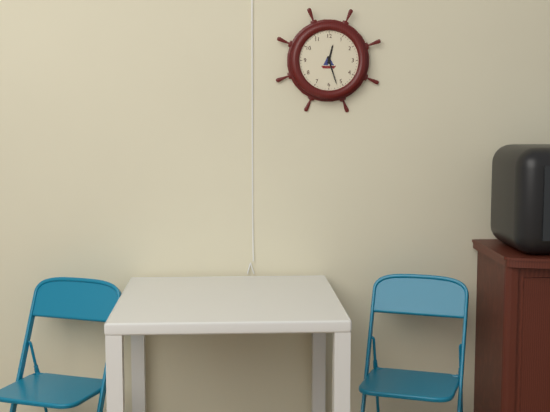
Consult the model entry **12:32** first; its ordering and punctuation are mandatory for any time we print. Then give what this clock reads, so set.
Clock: **12:27**
